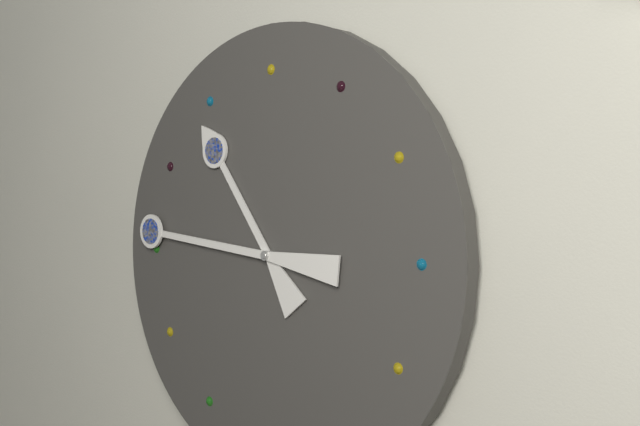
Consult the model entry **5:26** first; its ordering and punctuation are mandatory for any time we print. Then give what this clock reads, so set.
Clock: **10:46**
